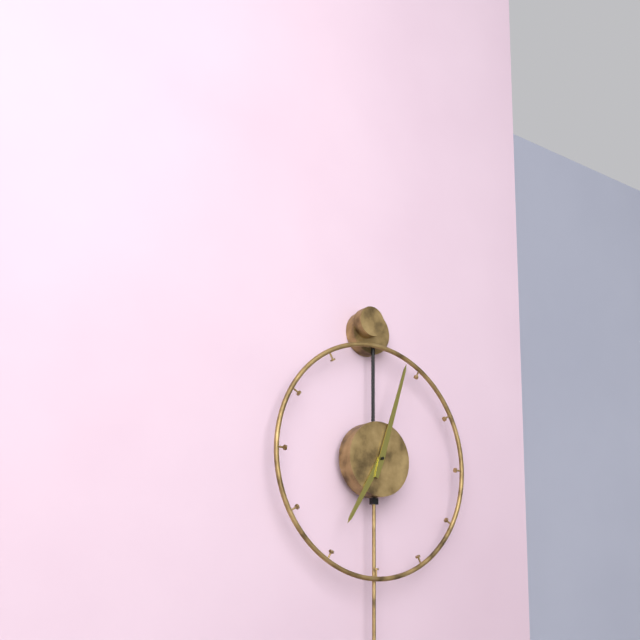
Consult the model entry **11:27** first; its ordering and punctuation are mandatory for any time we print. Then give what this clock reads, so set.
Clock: **7:03**
